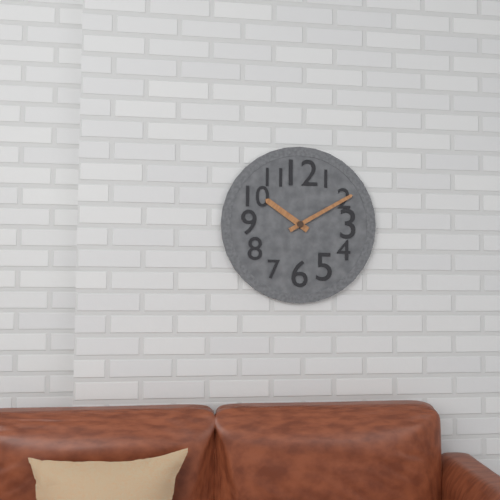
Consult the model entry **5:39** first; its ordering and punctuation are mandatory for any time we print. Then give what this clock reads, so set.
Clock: **10:10**
